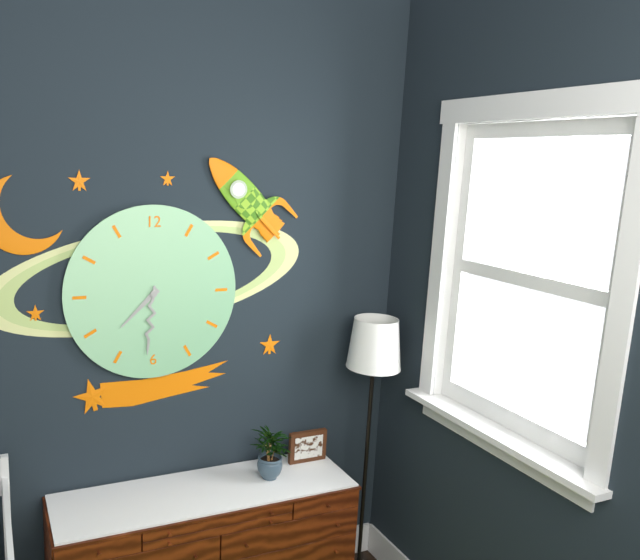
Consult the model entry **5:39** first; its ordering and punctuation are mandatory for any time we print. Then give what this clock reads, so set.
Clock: **7:31**
